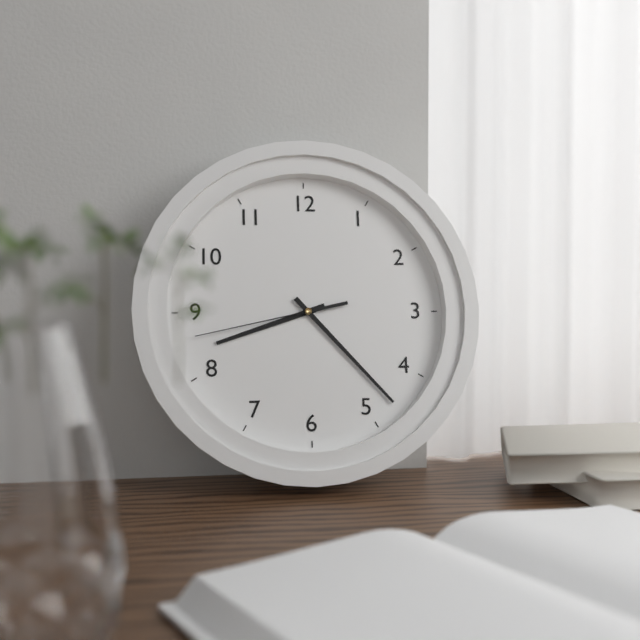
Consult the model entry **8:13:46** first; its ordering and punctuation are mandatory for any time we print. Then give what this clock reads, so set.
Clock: **8:23:43**
